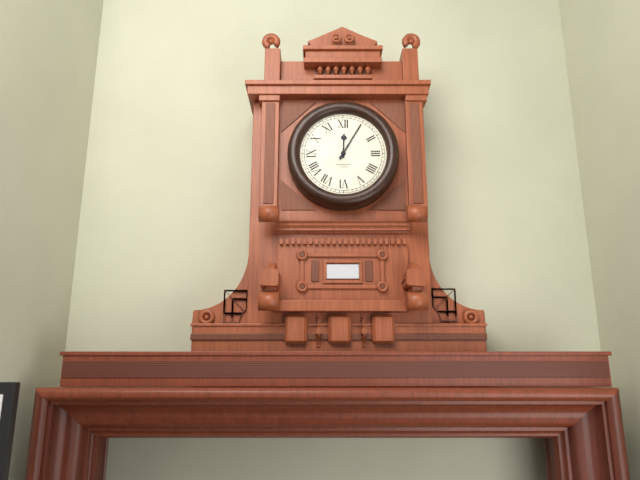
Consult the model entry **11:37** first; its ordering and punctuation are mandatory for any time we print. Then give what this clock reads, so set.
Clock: **12:05**
